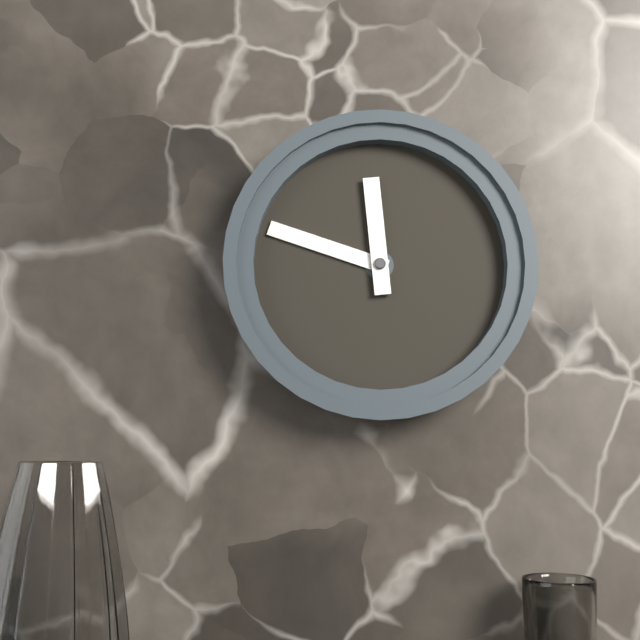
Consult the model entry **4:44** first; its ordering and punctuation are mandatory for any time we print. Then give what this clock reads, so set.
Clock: **11:48**
